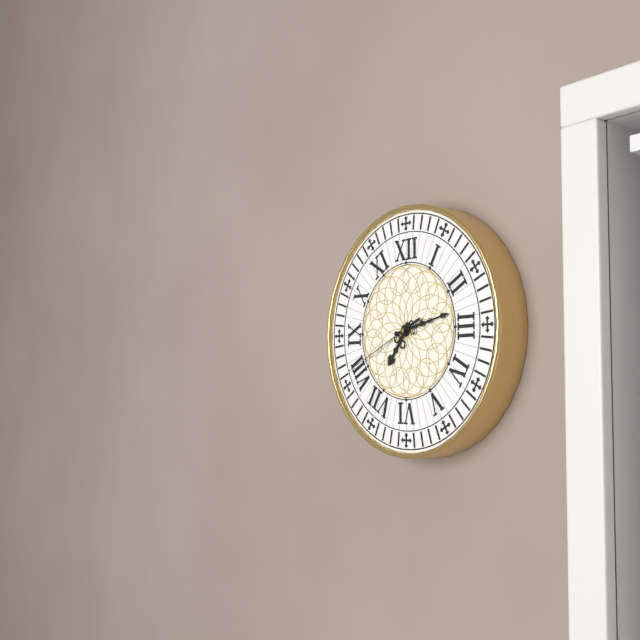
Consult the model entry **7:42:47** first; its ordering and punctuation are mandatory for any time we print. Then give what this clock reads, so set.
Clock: **7:13:41**
